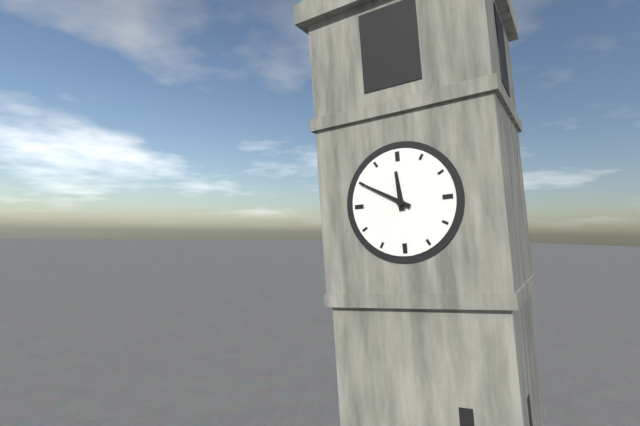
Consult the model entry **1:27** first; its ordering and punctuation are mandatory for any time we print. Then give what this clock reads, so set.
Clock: **11:50**
